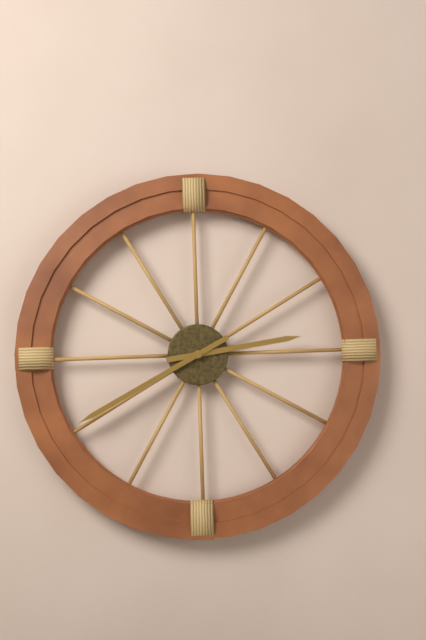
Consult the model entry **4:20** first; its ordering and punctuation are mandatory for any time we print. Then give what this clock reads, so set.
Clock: **2:40**
